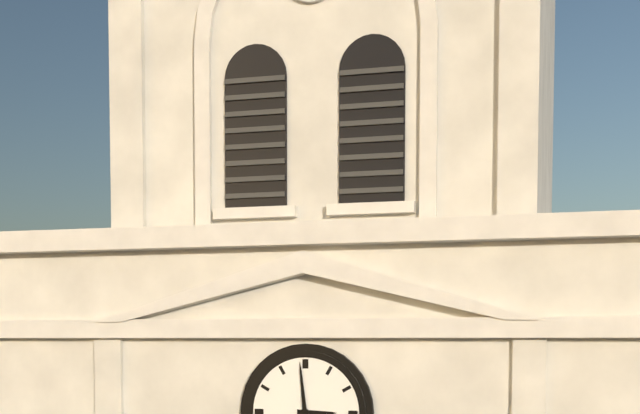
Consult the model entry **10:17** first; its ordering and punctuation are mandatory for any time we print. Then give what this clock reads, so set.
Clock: **2:59**
